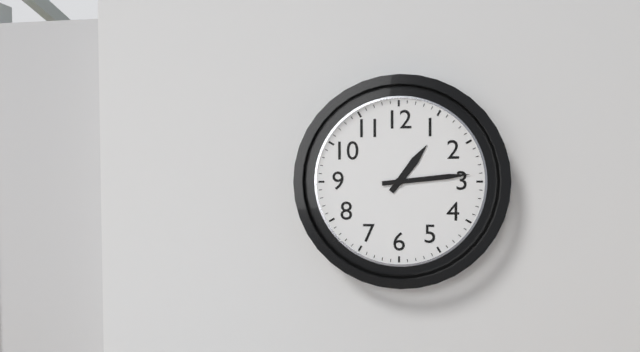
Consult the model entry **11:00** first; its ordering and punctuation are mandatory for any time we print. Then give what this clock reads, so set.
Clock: **1:14**
